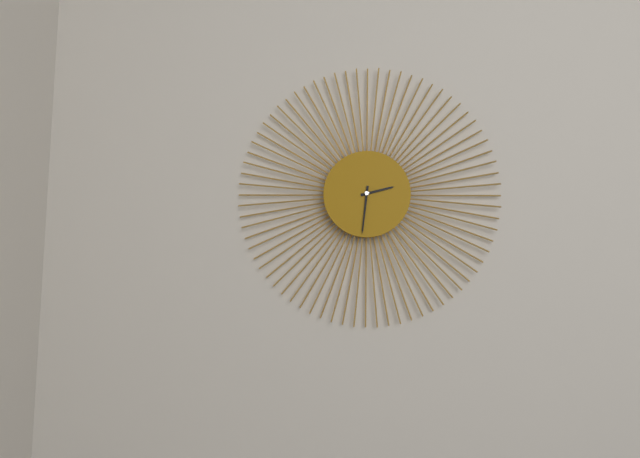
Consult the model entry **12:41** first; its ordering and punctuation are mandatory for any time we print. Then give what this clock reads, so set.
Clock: **2:31**
